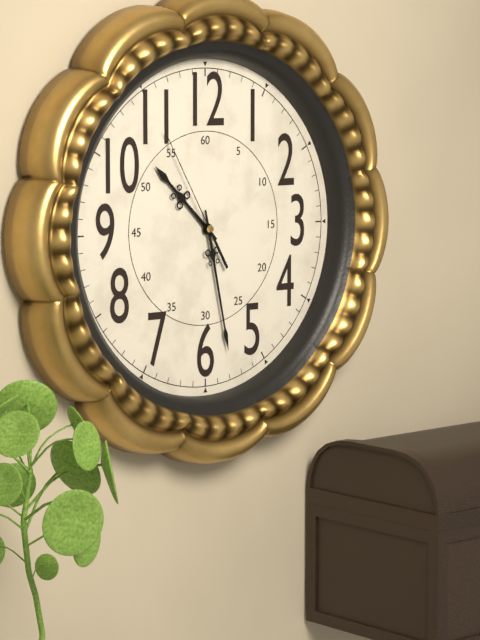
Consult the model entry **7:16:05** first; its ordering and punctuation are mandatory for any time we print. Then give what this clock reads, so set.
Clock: **10:28:55**
